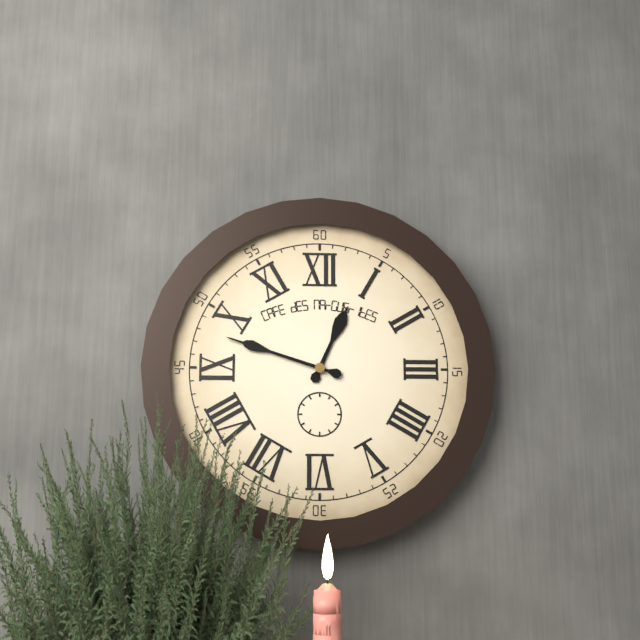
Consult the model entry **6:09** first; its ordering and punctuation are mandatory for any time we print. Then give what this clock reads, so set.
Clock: **12:48**
